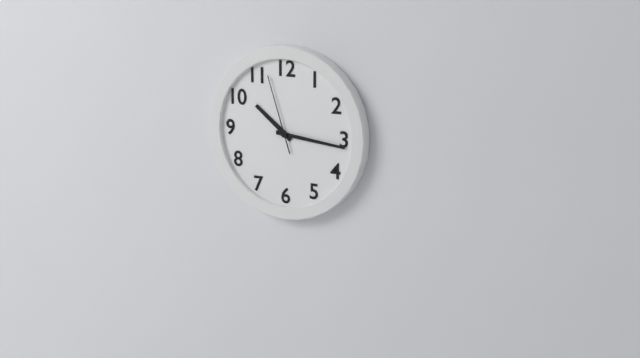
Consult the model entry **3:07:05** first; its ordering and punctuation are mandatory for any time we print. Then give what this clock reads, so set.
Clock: **10:16:57**
